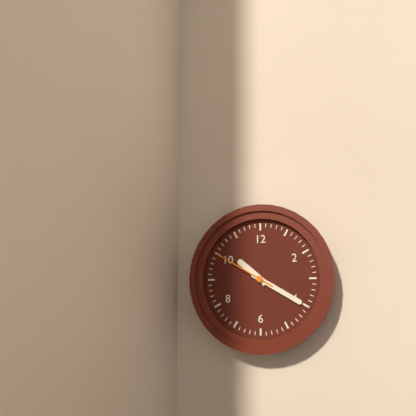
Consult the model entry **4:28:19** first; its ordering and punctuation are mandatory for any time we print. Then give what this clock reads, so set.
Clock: **10:20:50**
